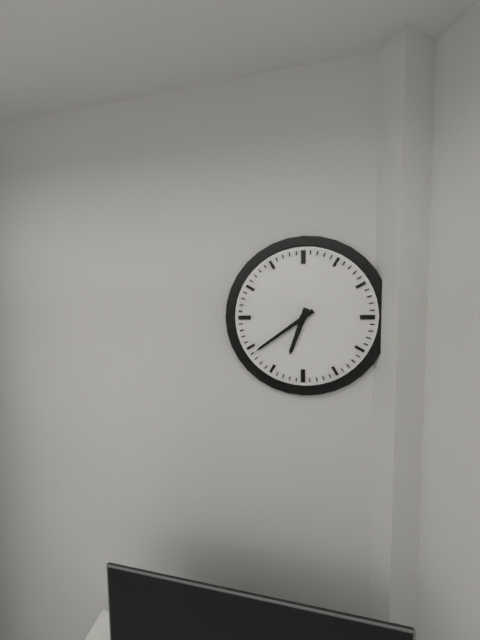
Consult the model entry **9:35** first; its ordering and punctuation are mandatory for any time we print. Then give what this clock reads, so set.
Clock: **6:39**
